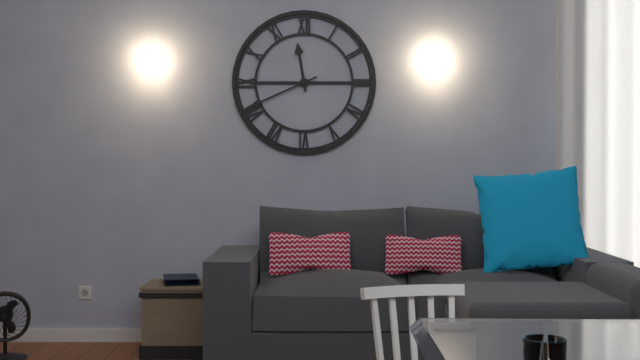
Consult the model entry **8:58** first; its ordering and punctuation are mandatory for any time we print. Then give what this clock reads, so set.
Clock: **11:41**
